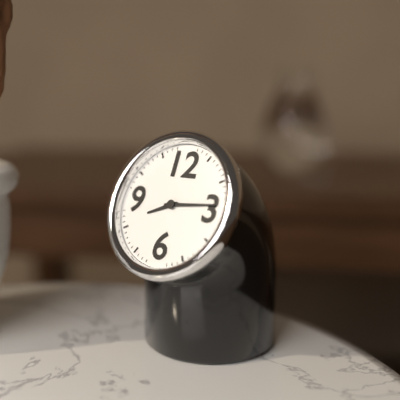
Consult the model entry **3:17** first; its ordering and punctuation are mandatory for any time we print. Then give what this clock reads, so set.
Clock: **8:14**
